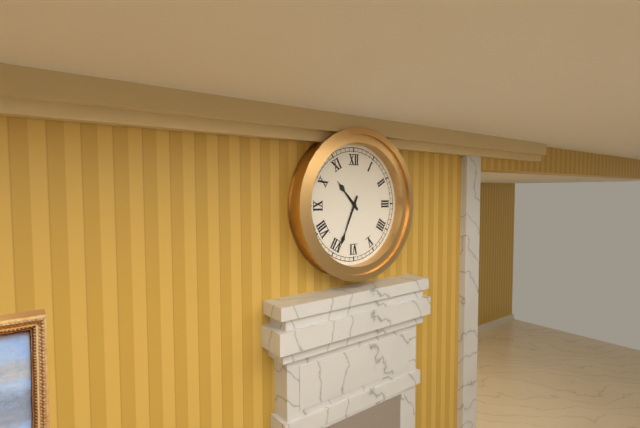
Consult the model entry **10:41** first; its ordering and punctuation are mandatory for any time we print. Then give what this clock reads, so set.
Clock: **10:34**
